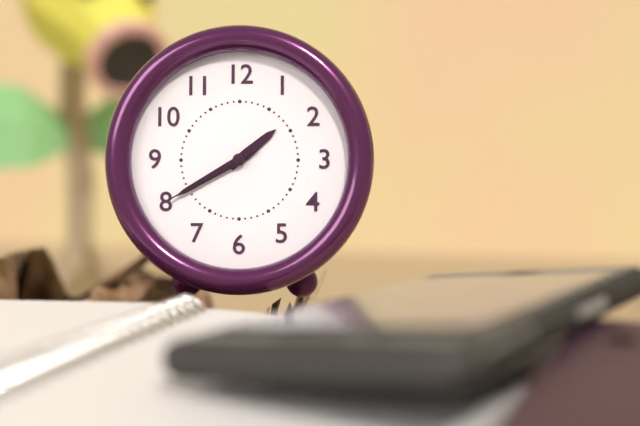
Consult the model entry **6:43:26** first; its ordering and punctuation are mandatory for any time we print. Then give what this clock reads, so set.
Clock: **1:40:40**
